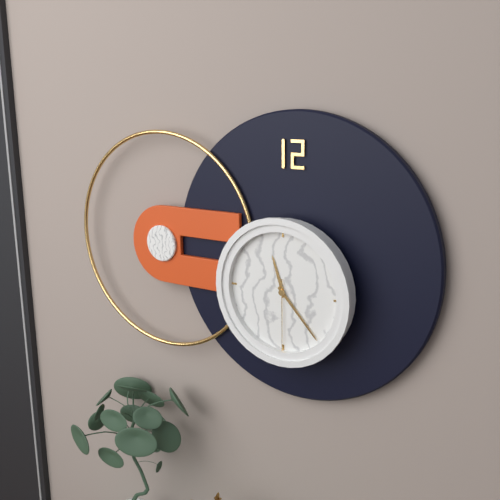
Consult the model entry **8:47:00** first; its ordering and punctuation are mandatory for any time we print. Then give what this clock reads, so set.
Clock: **11:23:30**
